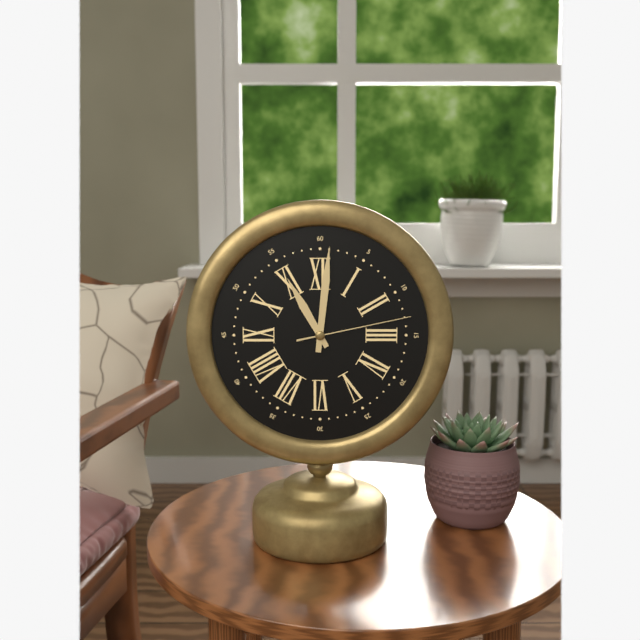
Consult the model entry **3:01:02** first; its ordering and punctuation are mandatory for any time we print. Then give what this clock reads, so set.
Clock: **11:01:13**
